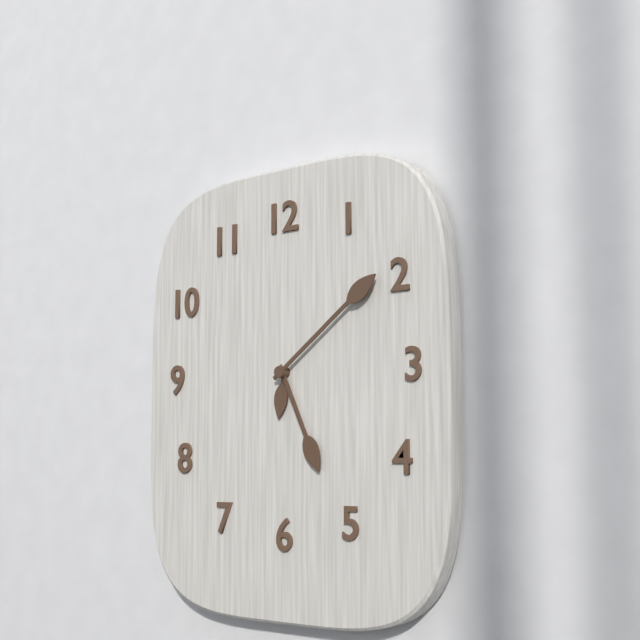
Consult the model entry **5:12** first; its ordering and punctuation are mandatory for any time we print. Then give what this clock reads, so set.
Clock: **5:09**
